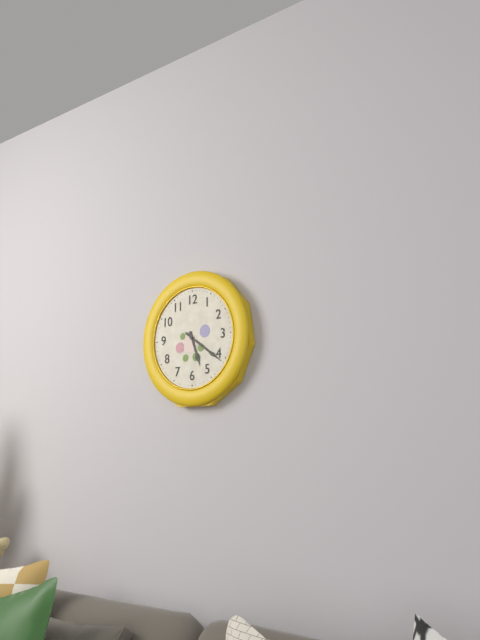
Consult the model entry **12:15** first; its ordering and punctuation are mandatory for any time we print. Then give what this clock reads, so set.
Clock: **5:21**
